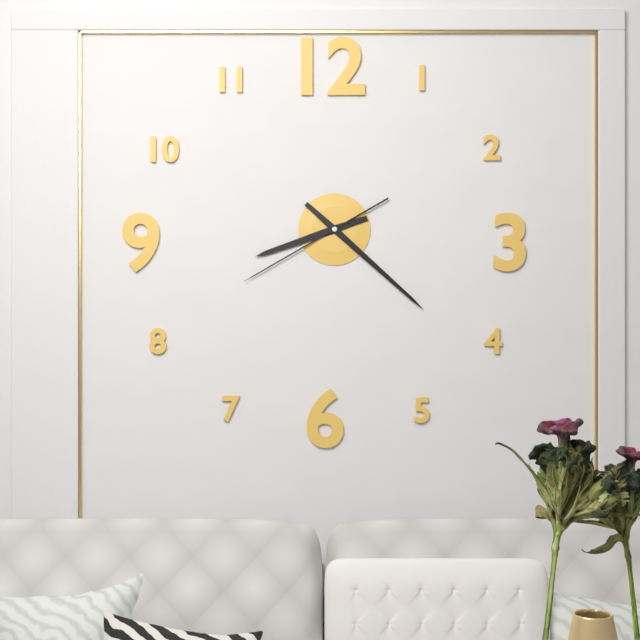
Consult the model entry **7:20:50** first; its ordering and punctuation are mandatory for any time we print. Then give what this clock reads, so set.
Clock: **8:22:40**
